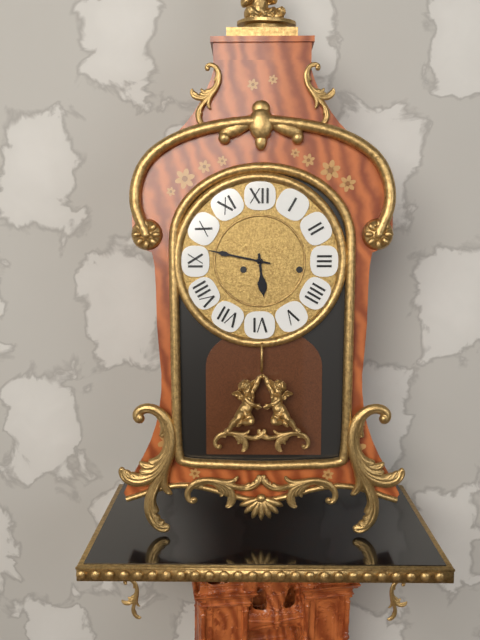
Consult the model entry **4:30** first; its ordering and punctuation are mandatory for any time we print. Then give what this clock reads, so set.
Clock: **5:47**
